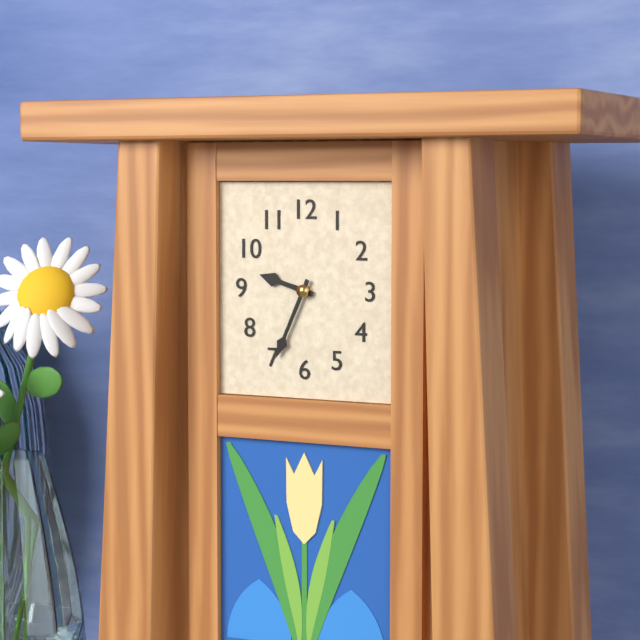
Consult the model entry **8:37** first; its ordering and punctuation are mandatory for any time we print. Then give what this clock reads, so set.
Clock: **9:34**
